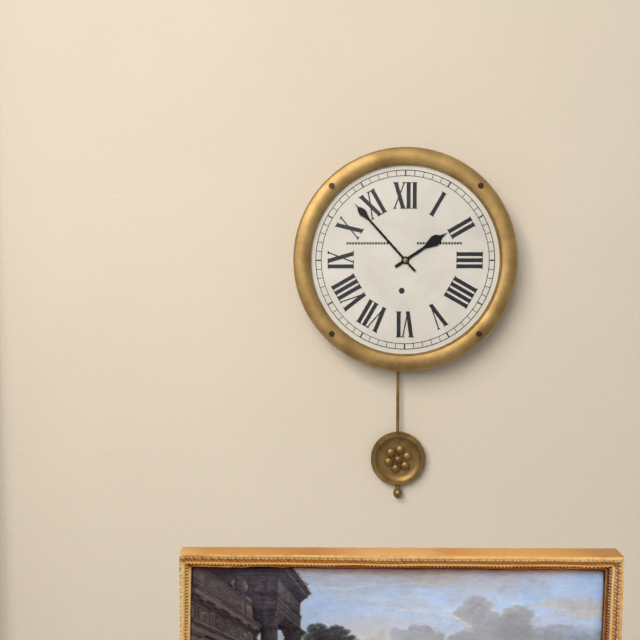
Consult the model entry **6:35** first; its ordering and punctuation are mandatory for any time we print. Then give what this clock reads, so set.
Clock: **1:53**
